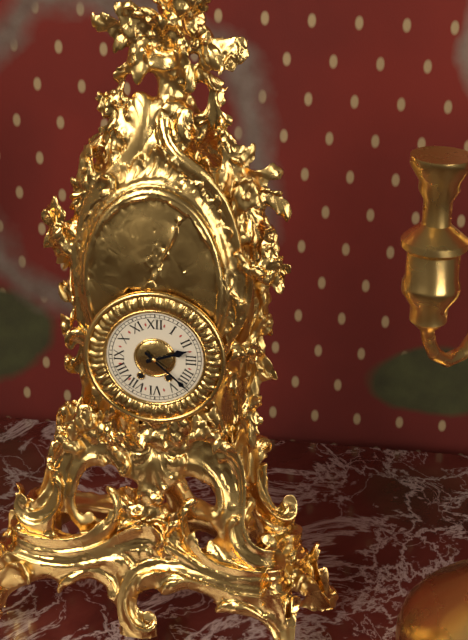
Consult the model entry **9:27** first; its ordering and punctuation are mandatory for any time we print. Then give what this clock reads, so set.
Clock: **2:22**
